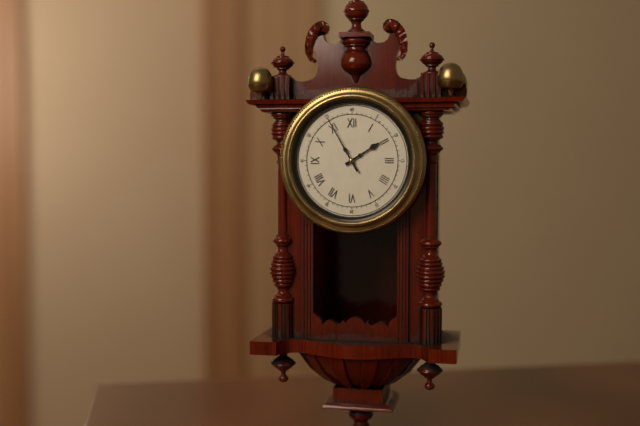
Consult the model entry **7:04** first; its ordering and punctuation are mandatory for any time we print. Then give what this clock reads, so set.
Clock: **1:55**
